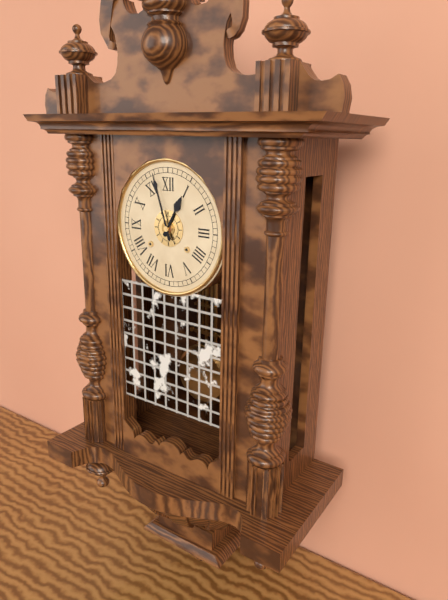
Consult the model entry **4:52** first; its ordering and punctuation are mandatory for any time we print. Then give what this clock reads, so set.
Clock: **12:57**
